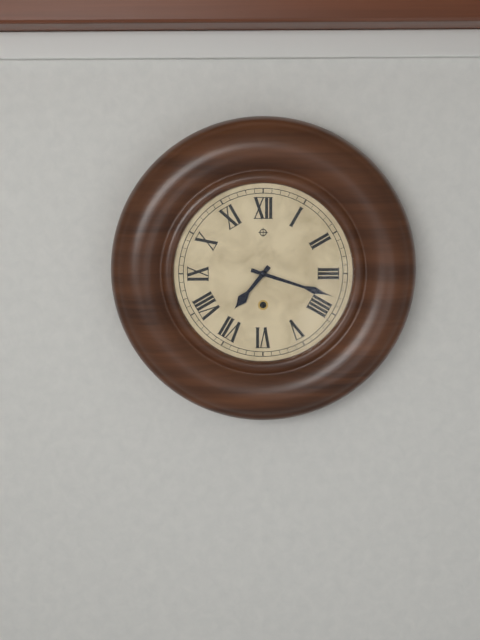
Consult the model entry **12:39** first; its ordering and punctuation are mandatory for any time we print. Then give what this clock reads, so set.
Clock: **7:18**
